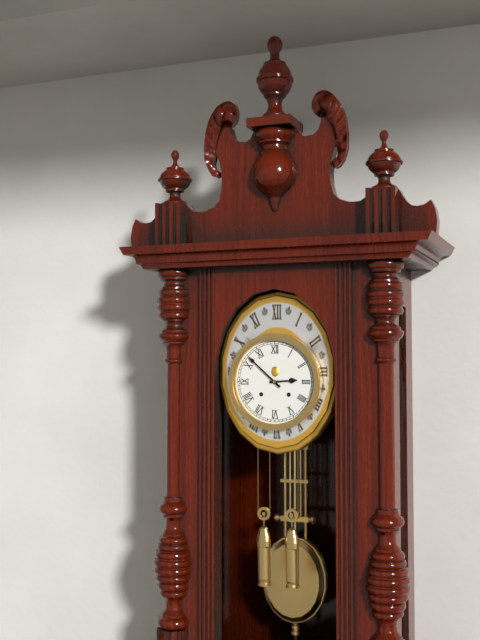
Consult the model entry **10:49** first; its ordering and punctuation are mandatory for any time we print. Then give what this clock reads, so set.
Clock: **2:52**
